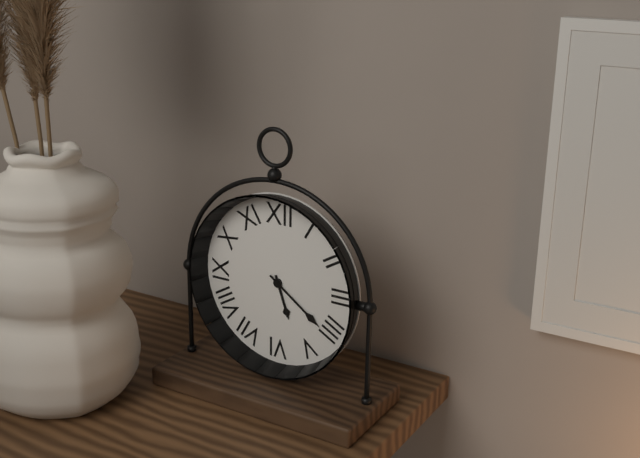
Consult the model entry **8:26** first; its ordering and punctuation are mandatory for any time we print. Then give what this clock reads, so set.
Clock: **5:21**
